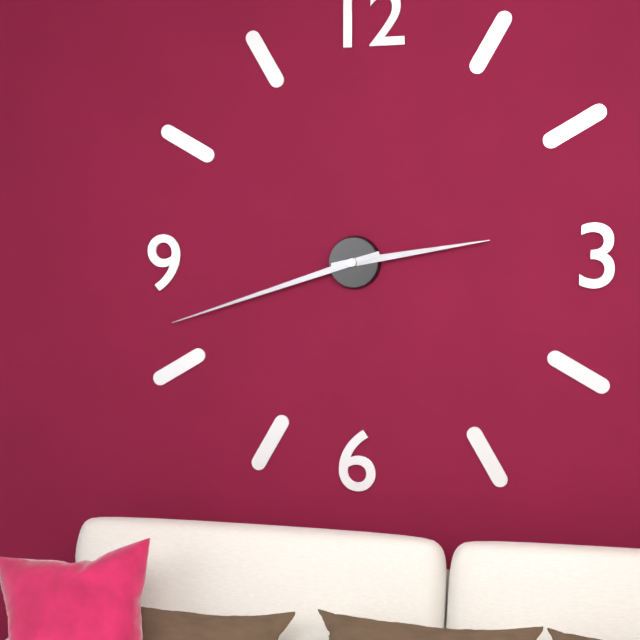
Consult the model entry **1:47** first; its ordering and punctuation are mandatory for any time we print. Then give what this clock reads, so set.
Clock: **2:42**
